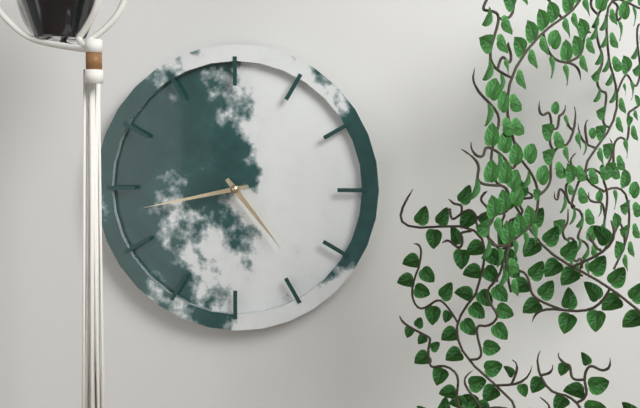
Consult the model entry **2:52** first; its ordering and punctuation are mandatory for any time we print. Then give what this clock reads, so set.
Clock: **4:43**
